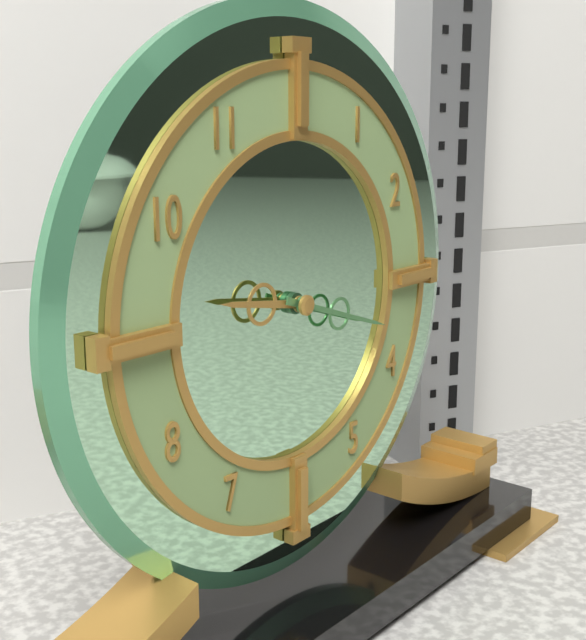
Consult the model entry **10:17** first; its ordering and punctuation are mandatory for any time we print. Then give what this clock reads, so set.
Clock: **9:18**
